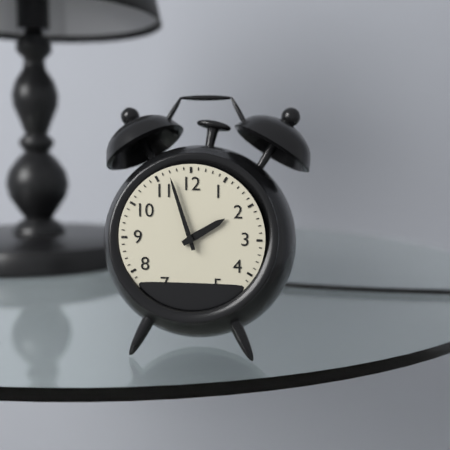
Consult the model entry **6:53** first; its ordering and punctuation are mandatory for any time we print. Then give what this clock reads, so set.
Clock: **1:57**
